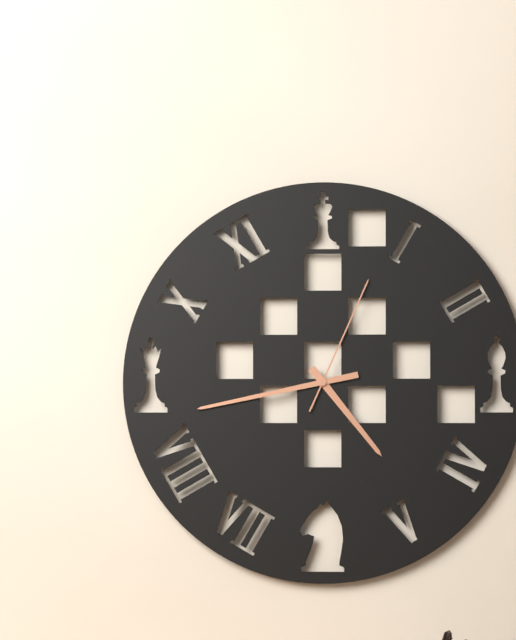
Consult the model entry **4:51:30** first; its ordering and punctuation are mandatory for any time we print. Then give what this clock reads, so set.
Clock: **4:43:04**
